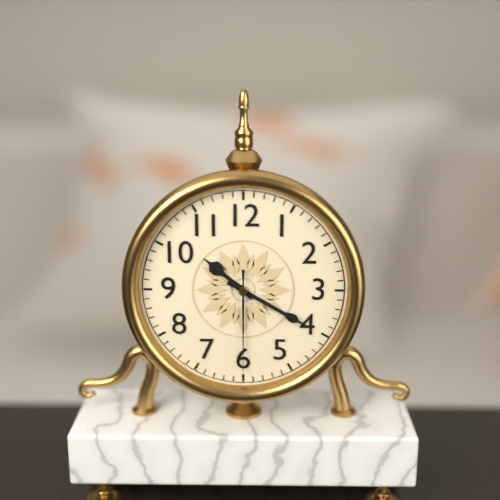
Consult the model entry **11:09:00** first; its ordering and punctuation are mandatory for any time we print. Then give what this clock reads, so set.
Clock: **10:20:30**
